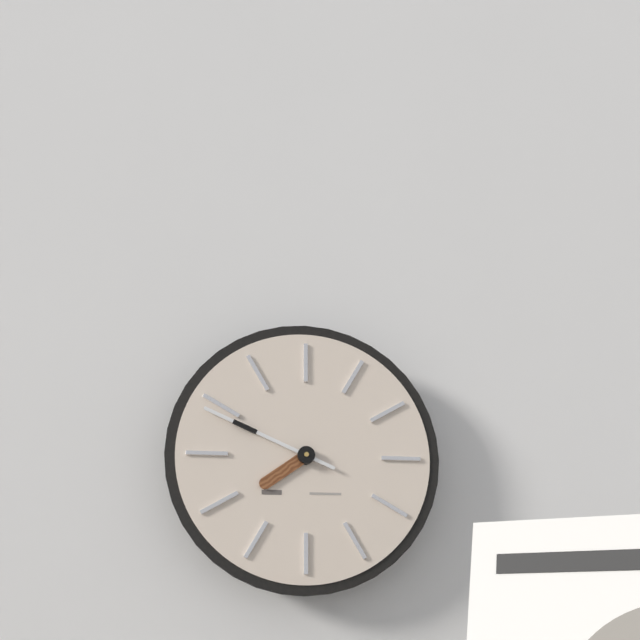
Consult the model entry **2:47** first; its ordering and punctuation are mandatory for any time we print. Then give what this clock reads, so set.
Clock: **7:49**
